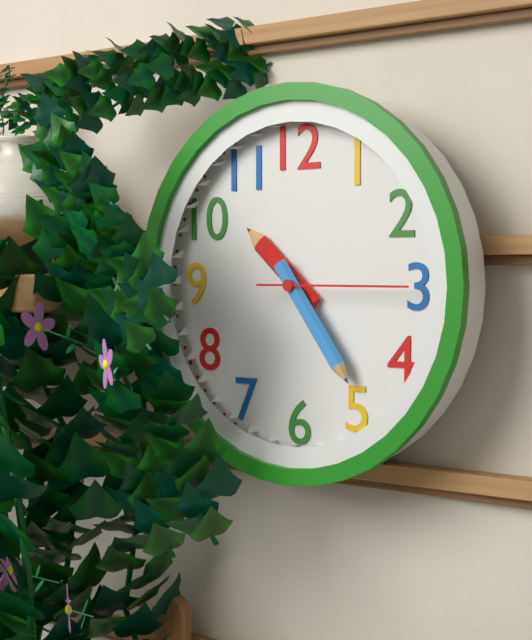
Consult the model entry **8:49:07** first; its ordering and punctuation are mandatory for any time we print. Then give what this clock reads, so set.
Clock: **10:24:15**
